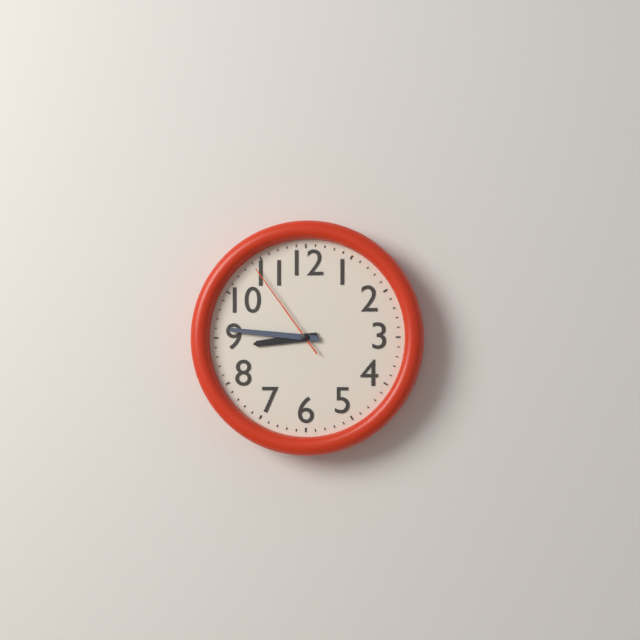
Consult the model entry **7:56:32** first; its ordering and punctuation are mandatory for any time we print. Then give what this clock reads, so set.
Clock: **8:46:54**
